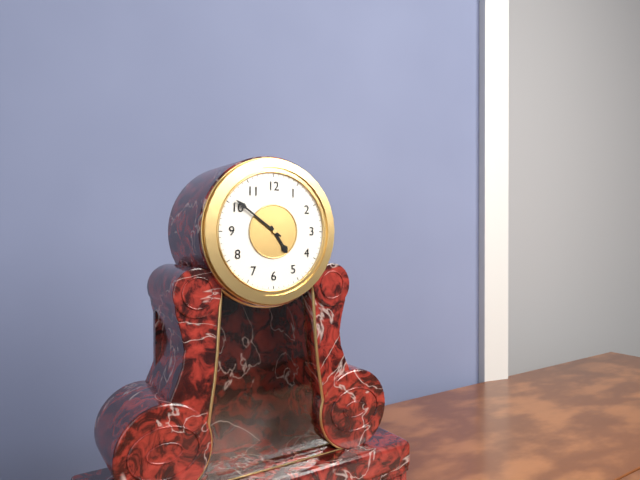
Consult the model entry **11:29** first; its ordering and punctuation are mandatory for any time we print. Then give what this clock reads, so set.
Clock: **4:51**
